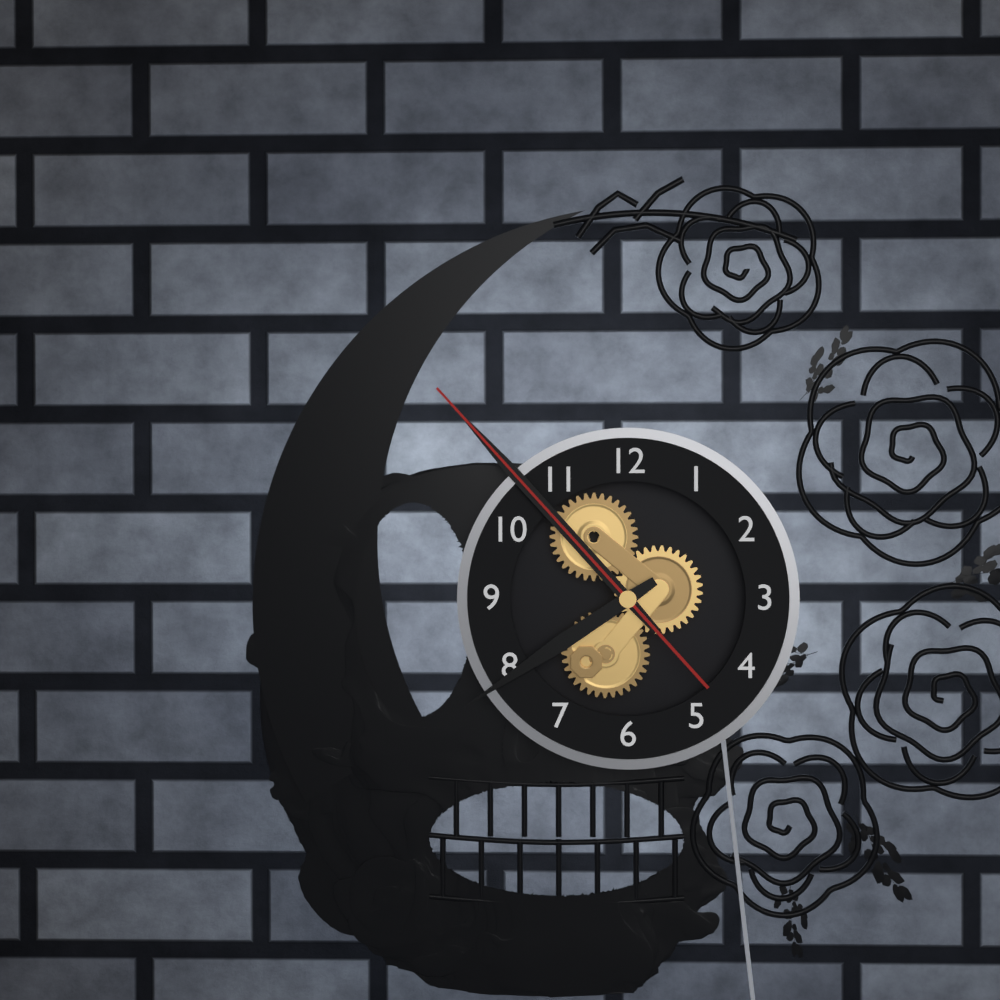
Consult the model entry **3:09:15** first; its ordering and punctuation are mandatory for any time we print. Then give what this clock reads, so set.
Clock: **7:53:53**
